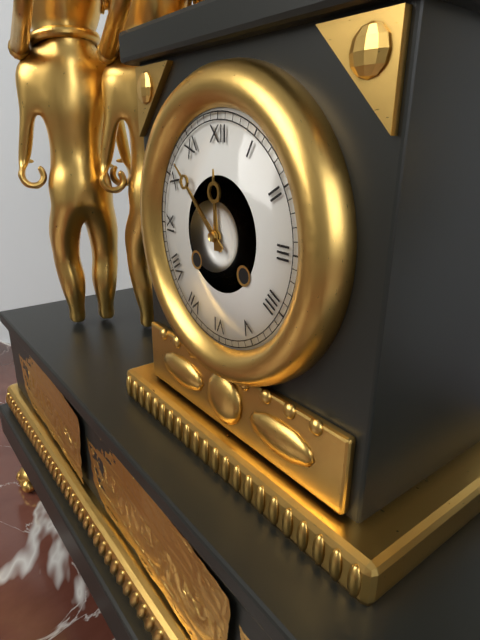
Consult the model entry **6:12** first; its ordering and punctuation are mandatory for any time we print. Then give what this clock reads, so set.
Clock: **11:52**
